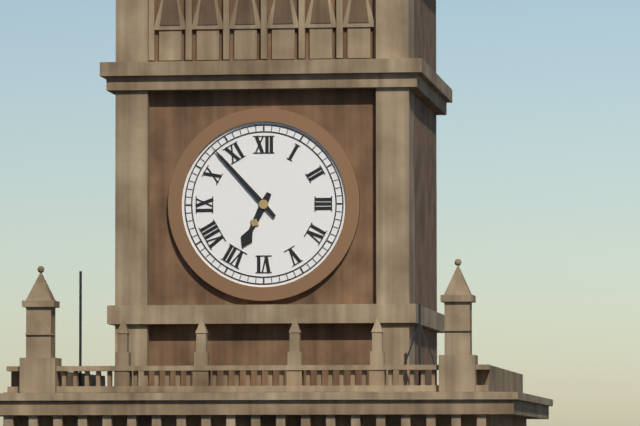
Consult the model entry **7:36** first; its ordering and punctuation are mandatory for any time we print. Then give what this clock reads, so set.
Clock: **6:53**
